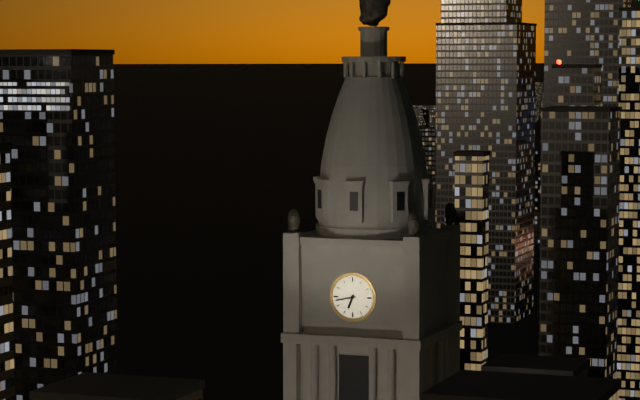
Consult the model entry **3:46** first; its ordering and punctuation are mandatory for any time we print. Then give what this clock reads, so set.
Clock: **6:43**
